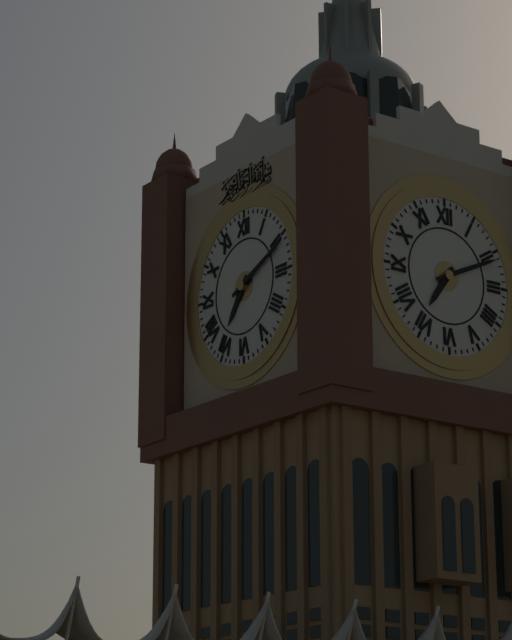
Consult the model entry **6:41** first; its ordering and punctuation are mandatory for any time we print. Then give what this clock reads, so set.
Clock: **7:11**
